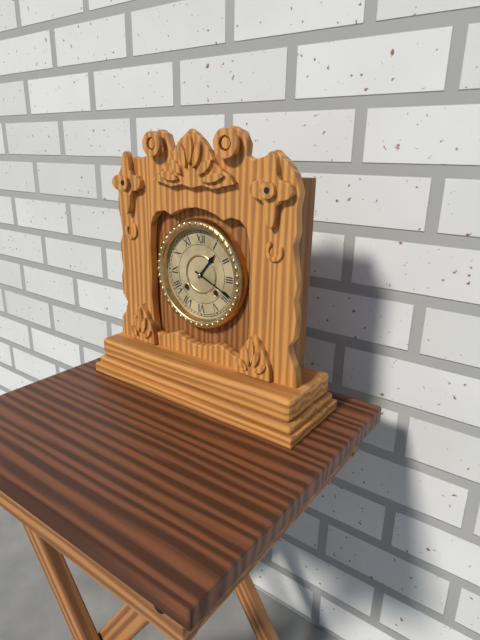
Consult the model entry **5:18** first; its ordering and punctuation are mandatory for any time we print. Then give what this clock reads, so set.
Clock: **1:19**
